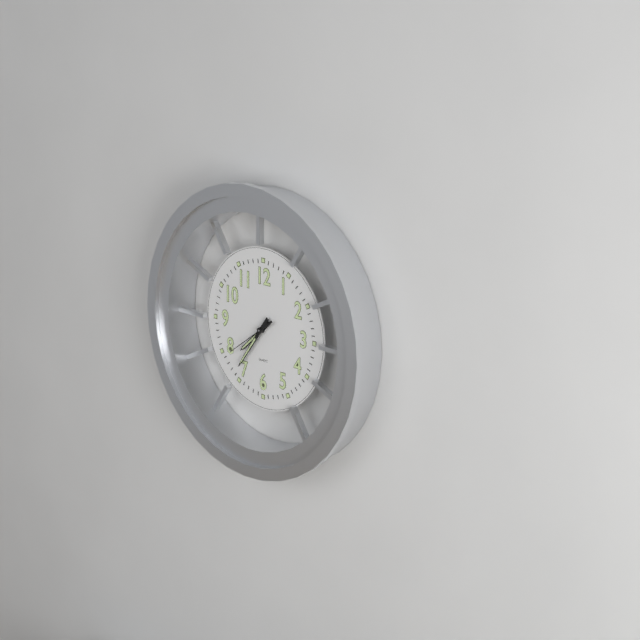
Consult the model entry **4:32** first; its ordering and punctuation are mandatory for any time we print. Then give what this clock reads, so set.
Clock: **7:36**
